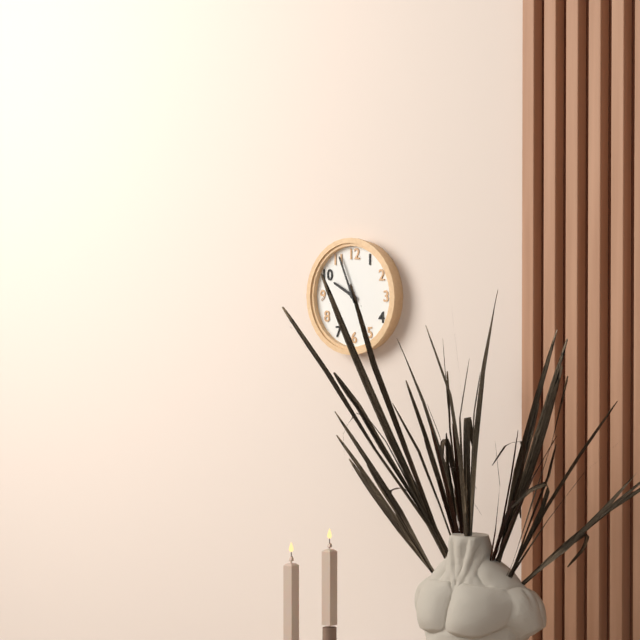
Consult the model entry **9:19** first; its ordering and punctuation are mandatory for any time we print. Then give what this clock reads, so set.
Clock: **9:56**
